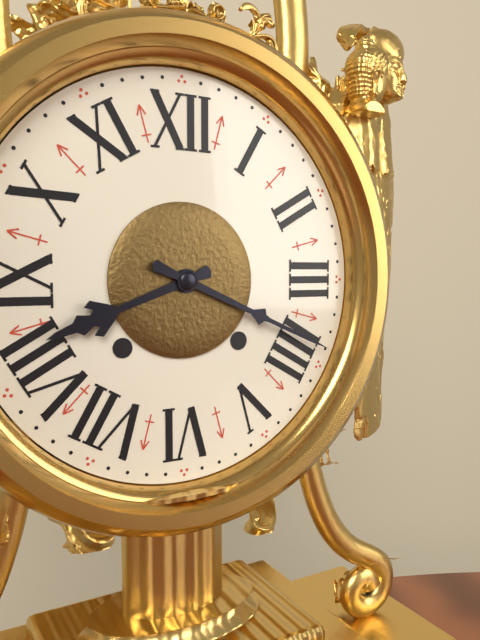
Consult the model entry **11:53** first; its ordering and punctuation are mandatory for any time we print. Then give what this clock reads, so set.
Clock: **8:19**
